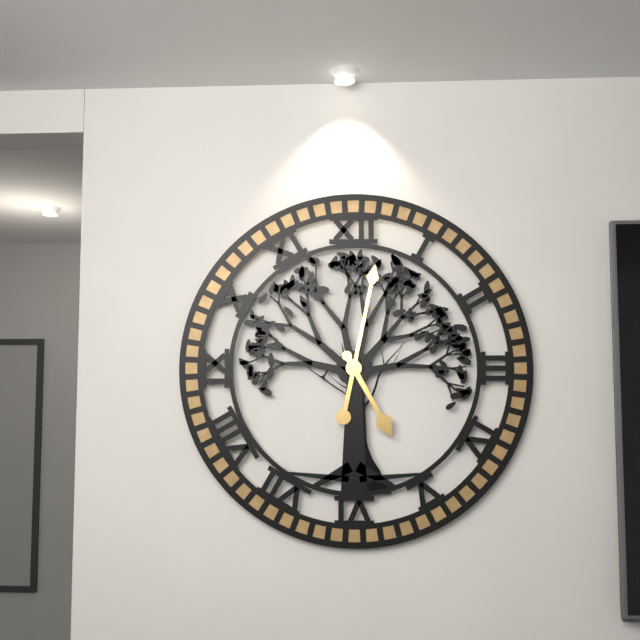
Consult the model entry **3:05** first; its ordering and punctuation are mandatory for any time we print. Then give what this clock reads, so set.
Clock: **5:02**
